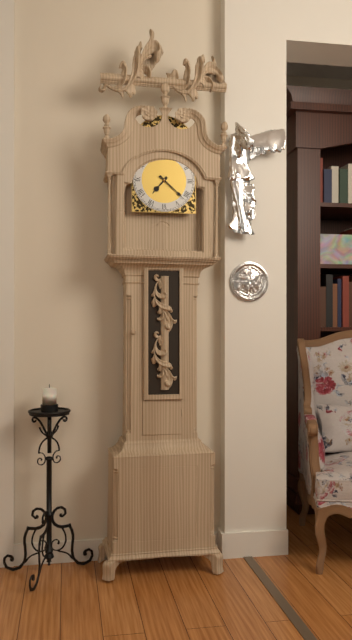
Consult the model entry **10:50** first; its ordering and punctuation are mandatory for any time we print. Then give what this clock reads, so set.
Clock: **7:22**
